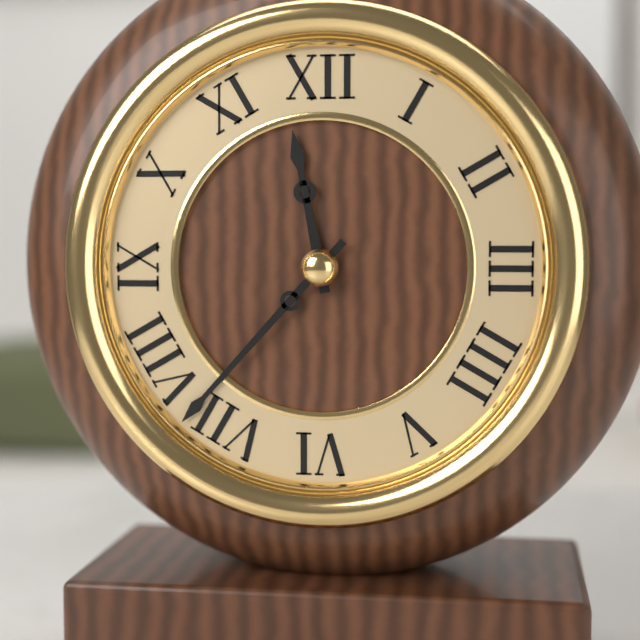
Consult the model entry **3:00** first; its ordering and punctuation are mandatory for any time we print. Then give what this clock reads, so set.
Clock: **11:37**
